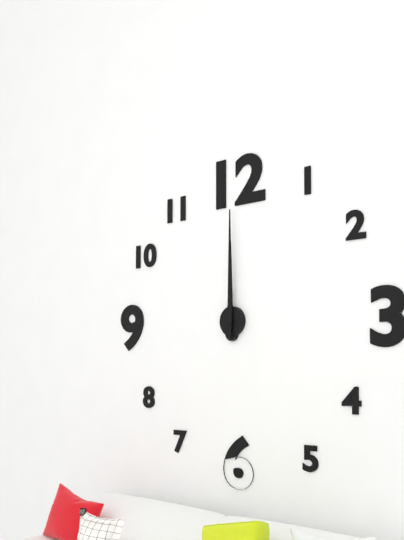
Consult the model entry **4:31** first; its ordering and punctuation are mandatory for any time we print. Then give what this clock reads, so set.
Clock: **12:00**
